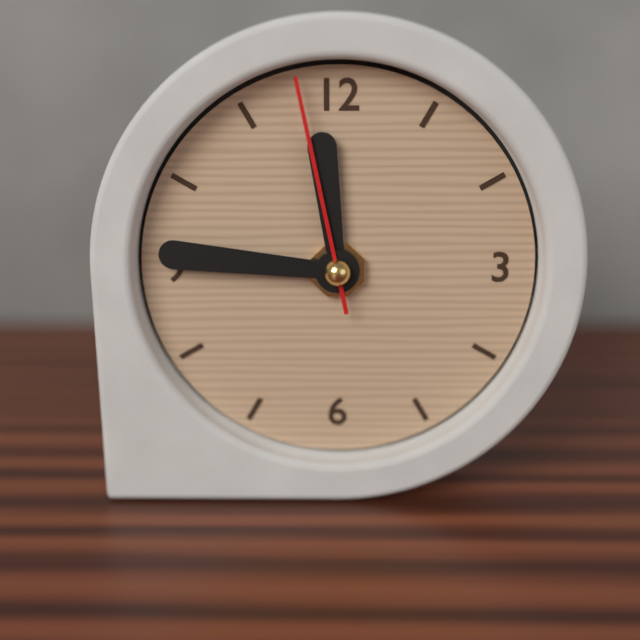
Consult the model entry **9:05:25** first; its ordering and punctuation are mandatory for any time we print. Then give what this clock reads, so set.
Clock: **11:46:58**
